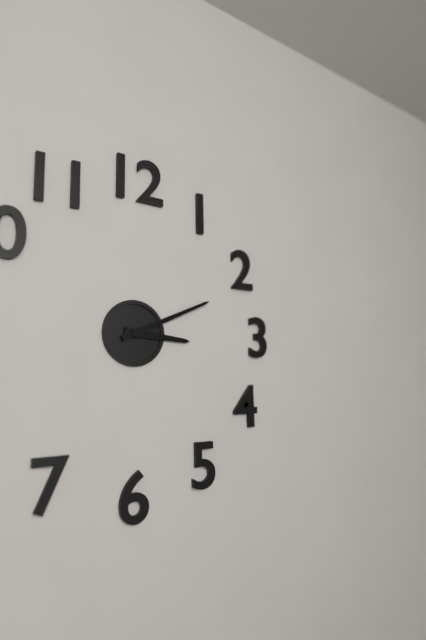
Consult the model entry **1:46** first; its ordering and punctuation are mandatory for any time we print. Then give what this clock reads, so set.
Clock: **3:11**
